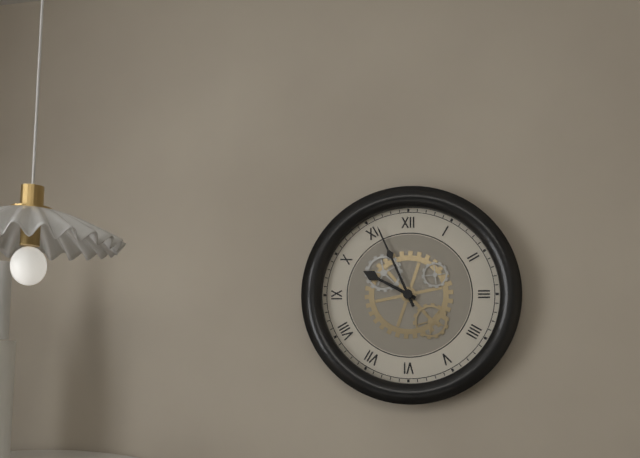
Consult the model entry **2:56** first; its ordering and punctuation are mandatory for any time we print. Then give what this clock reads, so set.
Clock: **9:56**
